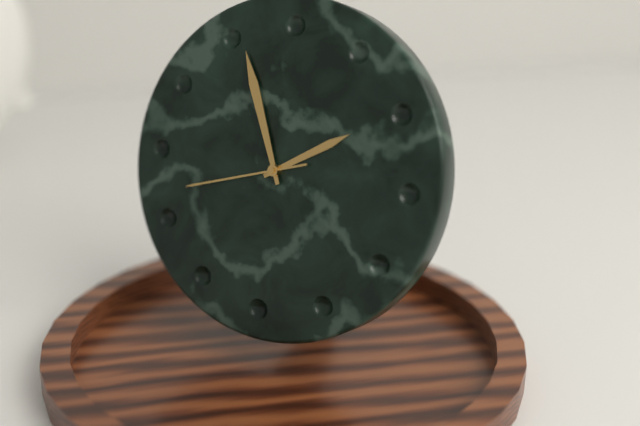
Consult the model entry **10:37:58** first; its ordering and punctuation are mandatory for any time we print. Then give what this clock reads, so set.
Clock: **1:56:42**
